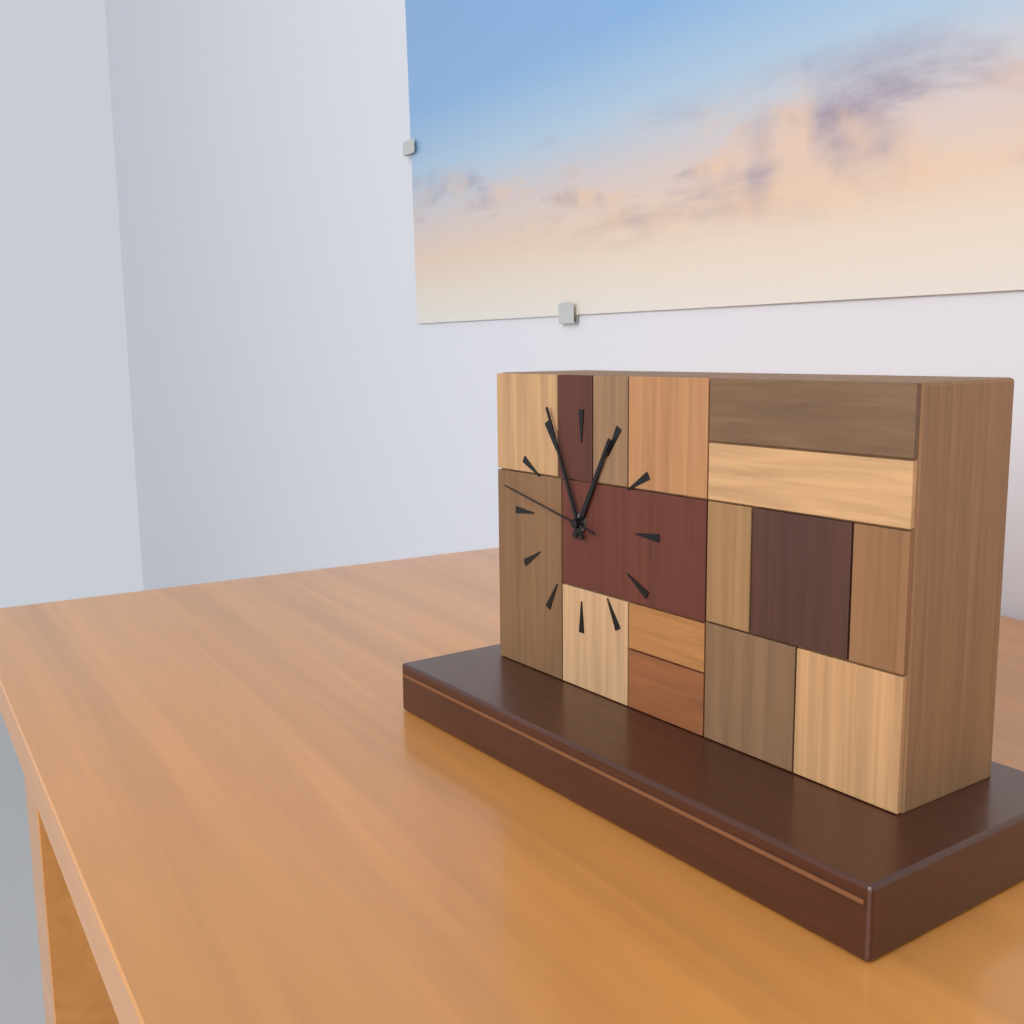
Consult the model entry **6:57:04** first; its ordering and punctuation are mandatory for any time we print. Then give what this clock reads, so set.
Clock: **12:56:47**
